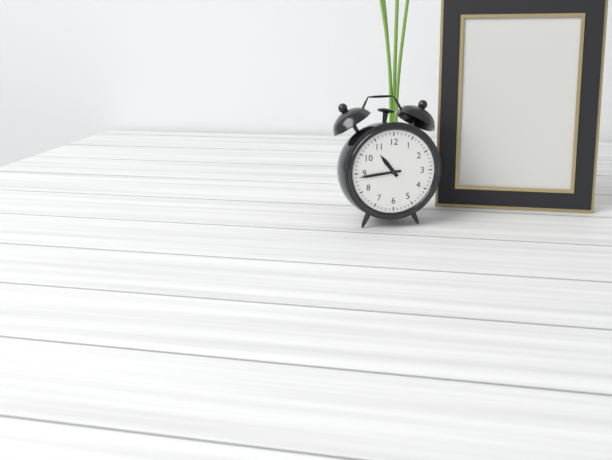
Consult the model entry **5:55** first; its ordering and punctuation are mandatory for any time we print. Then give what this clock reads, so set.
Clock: **10:44**
